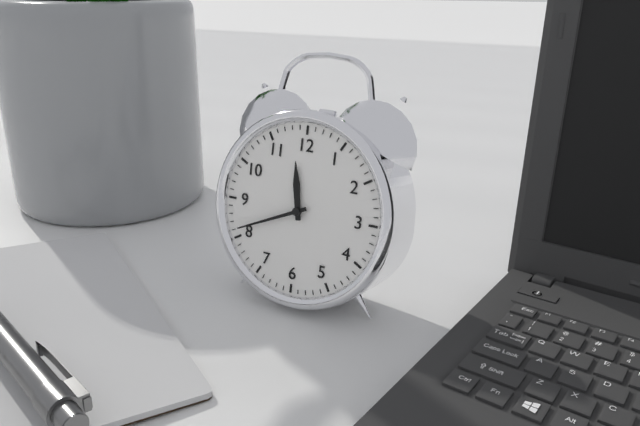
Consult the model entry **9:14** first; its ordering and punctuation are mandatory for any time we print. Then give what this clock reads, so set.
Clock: **11:41**
